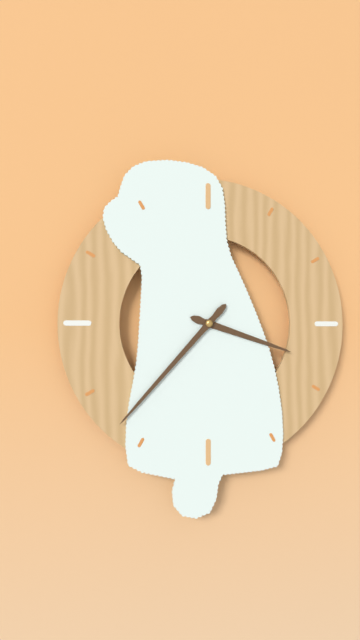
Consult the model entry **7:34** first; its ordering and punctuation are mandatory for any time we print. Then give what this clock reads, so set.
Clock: **3:37**
